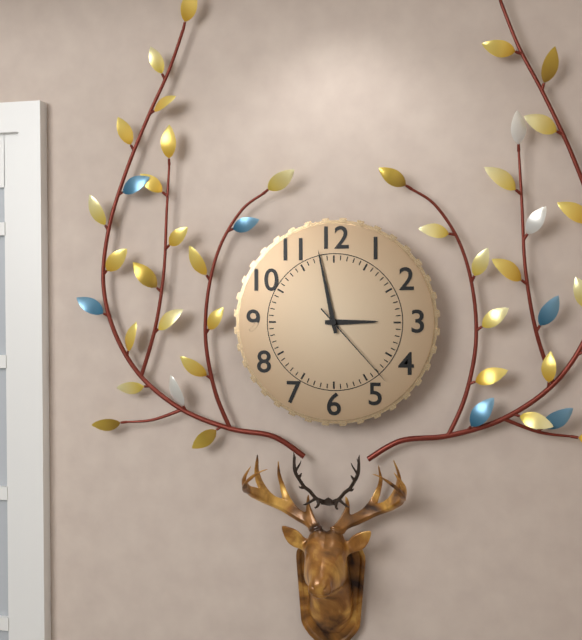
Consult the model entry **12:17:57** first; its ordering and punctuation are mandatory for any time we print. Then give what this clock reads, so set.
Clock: **2:58:23**
